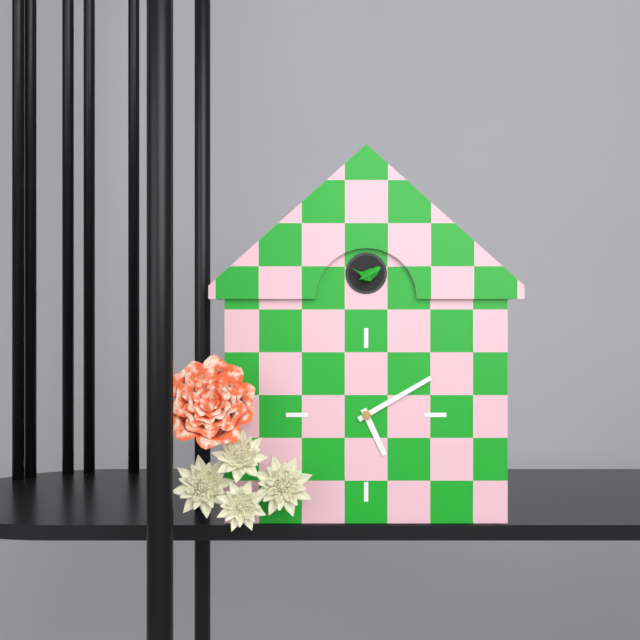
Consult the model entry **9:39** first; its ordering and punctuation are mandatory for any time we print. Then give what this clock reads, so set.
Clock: **5:10**
